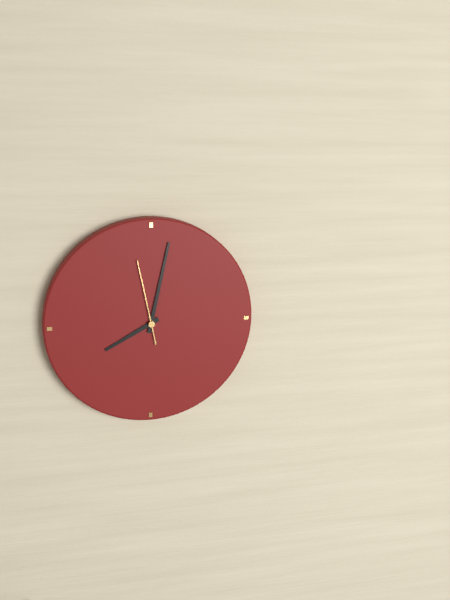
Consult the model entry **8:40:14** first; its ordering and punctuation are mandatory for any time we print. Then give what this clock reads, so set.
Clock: **8:02:58**
